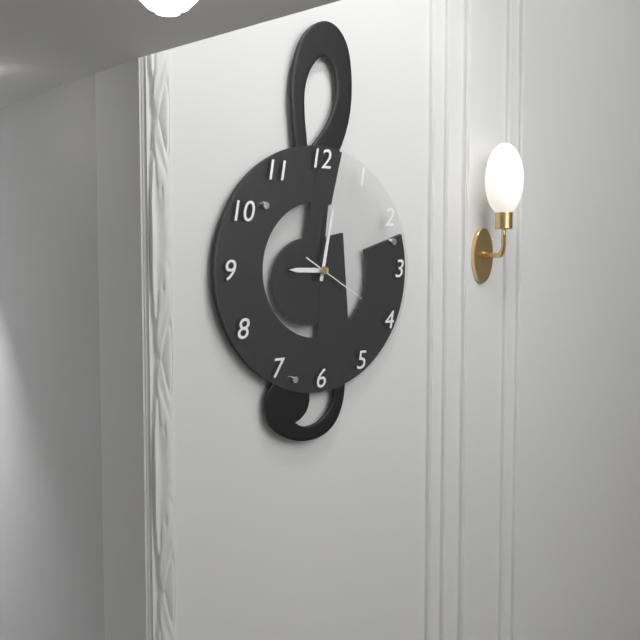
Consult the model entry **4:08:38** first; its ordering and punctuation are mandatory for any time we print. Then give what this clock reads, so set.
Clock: **9:02:20**
